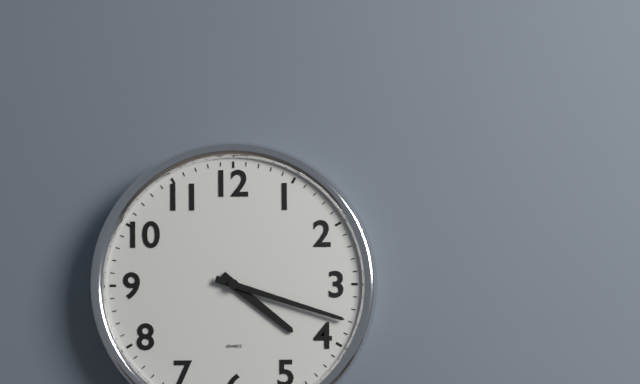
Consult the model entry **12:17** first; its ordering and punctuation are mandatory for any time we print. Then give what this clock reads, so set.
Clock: **4:18**
